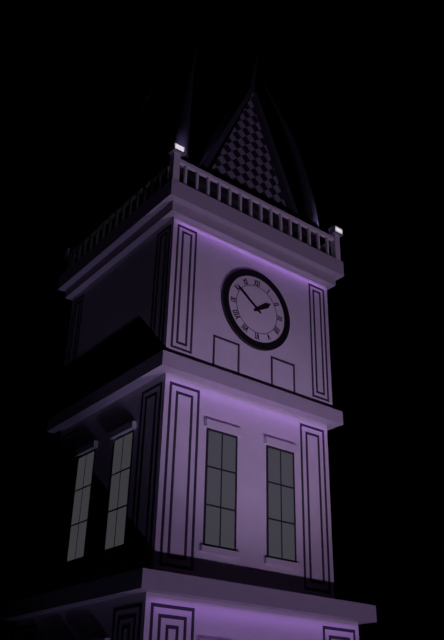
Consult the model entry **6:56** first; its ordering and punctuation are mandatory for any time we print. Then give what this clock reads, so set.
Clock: **1:51**
